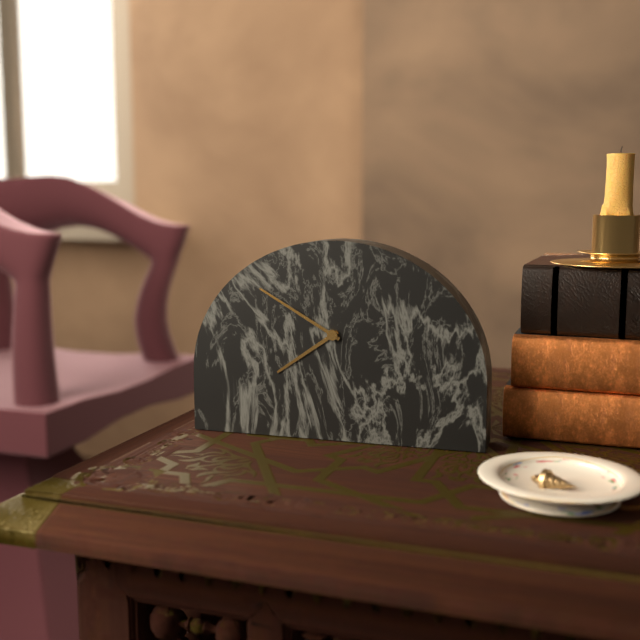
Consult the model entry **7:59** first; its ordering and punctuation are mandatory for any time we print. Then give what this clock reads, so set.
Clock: **7:50**
